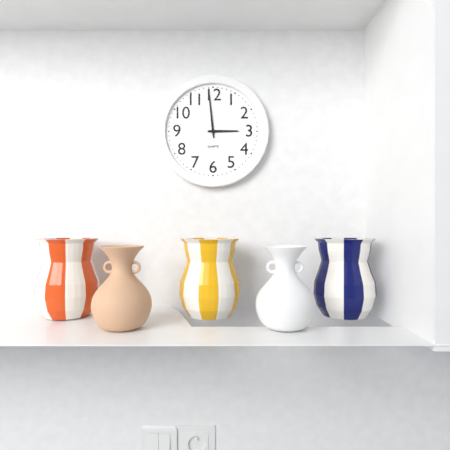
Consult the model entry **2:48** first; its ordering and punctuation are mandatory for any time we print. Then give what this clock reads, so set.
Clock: **2:59**
